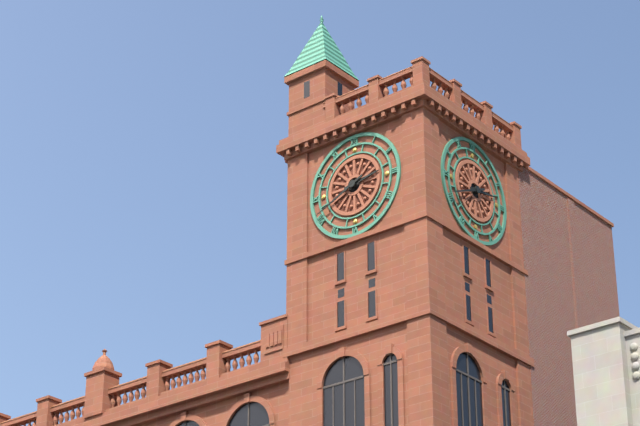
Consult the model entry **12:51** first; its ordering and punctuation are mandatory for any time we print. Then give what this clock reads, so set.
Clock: **2:41**
